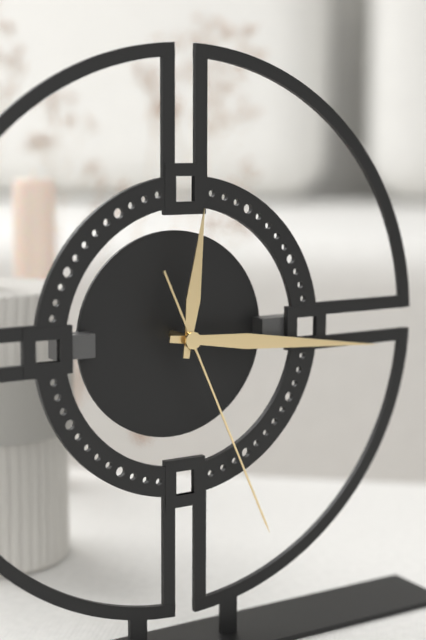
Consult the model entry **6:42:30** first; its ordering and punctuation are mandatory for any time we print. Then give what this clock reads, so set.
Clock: **12:16:26**
